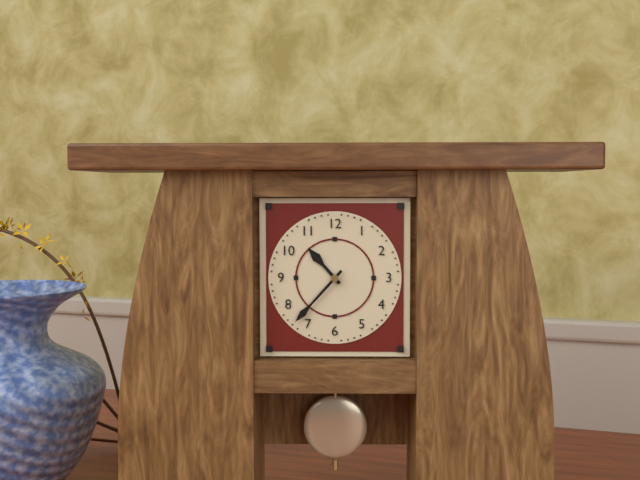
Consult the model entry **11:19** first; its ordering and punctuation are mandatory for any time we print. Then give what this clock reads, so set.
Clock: **10:37**
